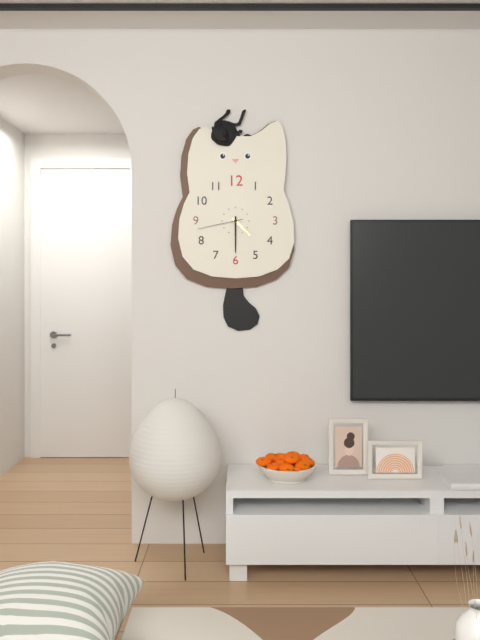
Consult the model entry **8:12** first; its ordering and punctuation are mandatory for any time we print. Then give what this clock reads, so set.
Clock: **4:30**
